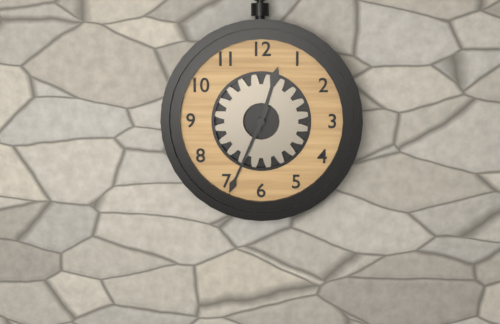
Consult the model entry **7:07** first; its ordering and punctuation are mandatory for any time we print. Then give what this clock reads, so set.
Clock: **12:34**
